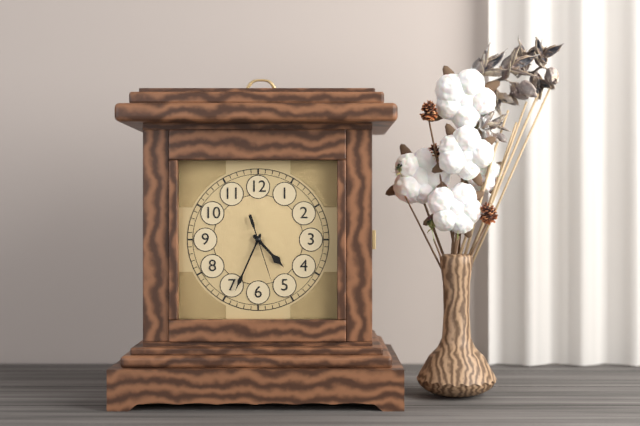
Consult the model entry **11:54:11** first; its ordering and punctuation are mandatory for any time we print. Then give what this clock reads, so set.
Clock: **4:34:27**
